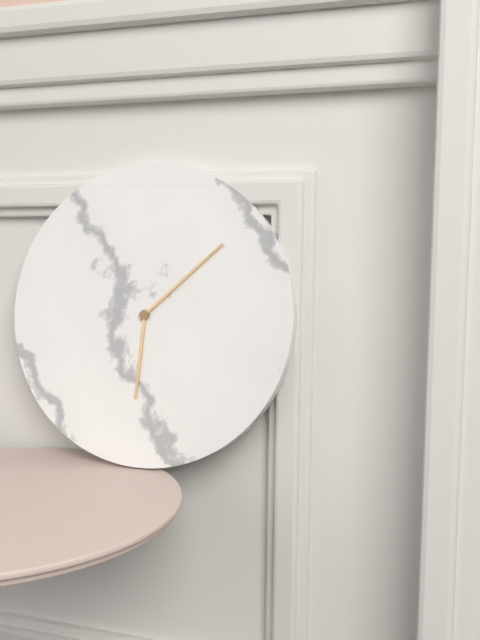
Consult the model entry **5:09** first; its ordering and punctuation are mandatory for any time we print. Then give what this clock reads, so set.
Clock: **6:08**
